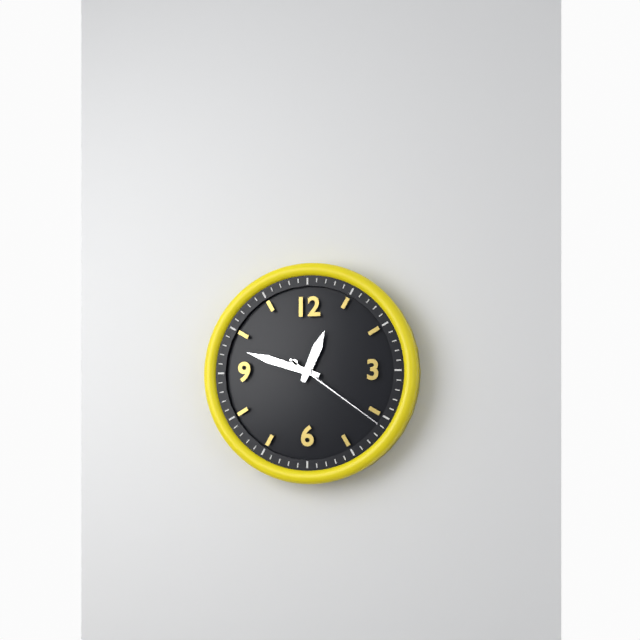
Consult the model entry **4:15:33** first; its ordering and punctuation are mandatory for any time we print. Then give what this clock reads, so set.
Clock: **12:48:21**
